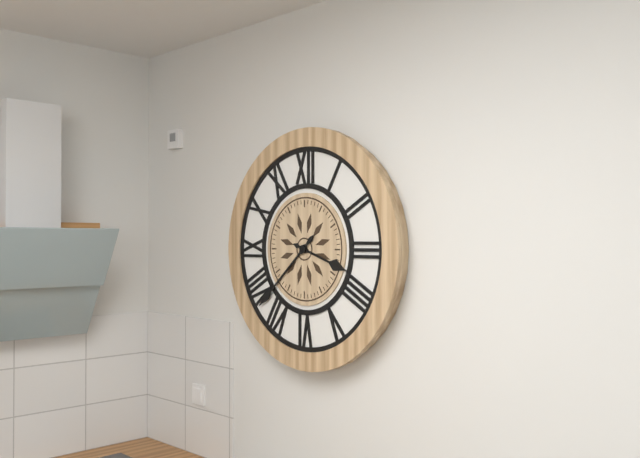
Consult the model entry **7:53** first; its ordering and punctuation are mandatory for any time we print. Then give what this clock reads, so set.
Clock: **3:38**
